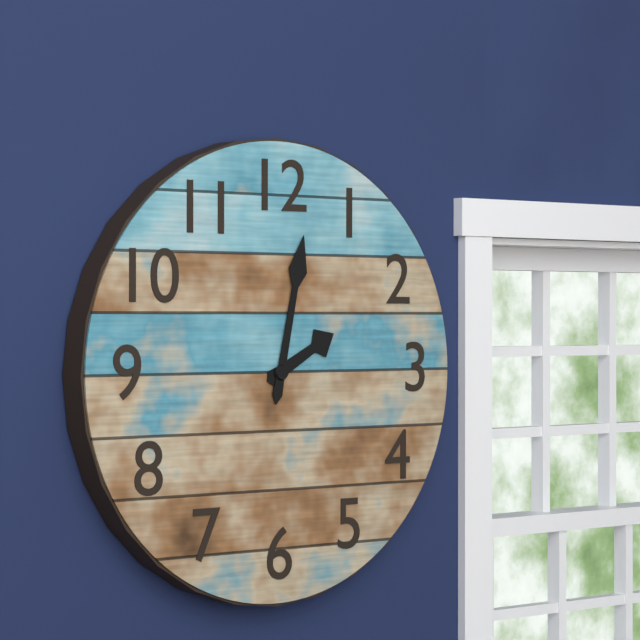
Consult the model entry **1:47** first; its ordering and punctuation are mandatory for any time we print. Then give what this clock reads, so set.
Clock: **2:02**
